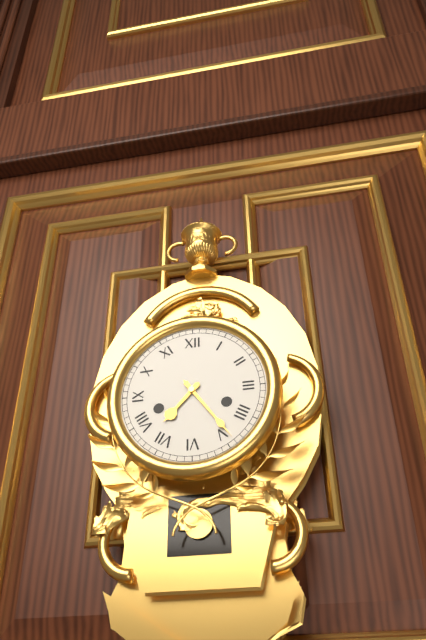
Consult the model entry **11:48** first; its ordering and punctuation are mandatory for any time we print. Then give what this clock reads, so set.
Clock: **7:24**
